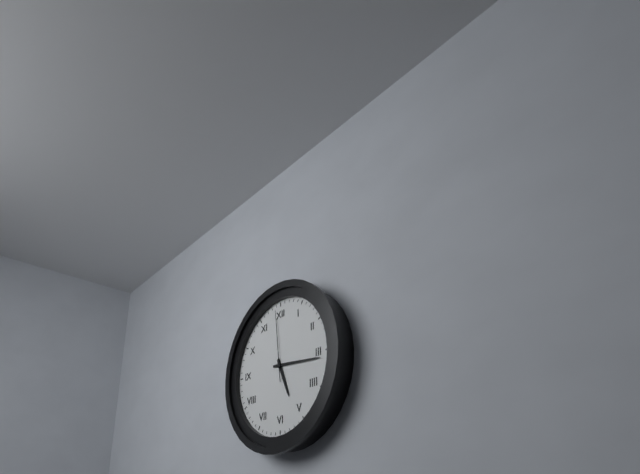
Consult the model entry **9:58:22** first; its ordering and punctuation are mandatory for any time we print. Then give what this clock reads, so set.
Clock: **5:16:59**
